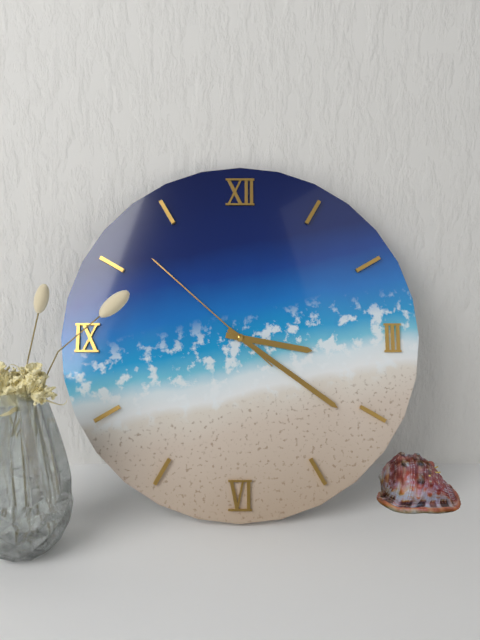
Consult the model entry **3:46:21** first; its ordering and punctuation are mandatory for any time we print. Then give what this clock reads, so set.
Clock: **3:21:52**
